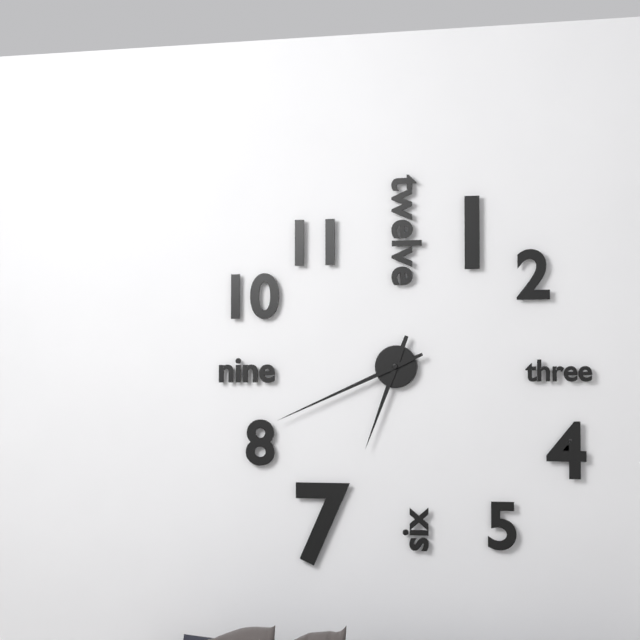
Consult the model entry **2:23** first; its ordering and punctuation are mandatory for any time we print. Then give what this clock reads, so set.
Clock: **6:41**
